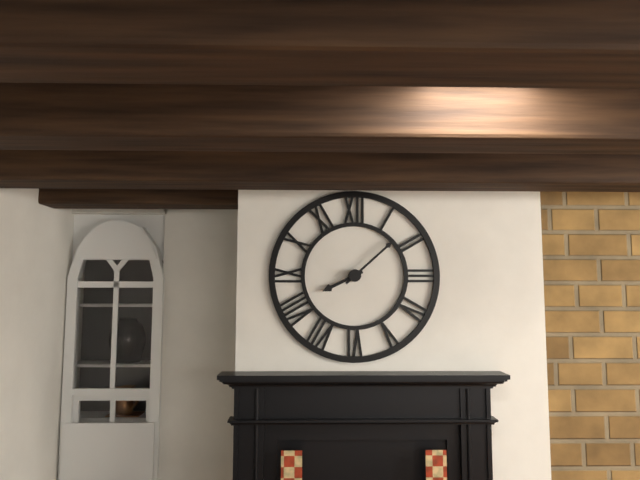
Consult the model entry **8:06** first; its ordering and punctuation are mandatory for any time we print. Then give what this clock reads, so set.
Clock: **8:08**
